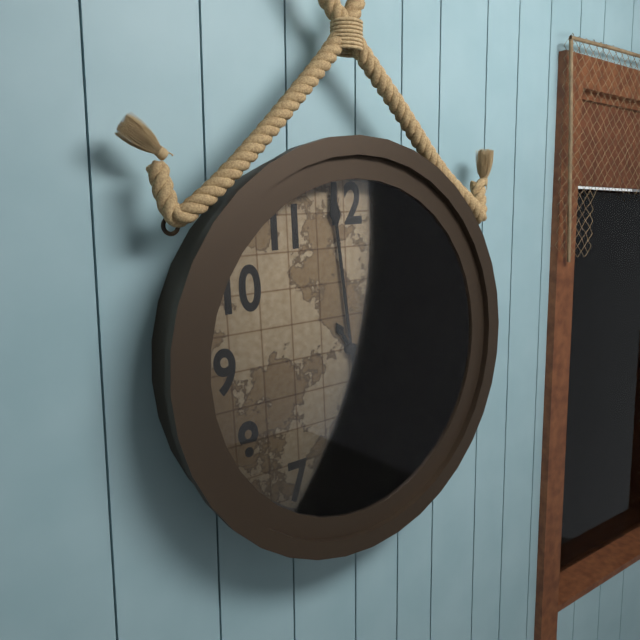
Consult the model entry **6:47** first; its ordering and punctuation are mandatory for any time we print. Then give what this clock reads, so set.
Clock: **4:59**
